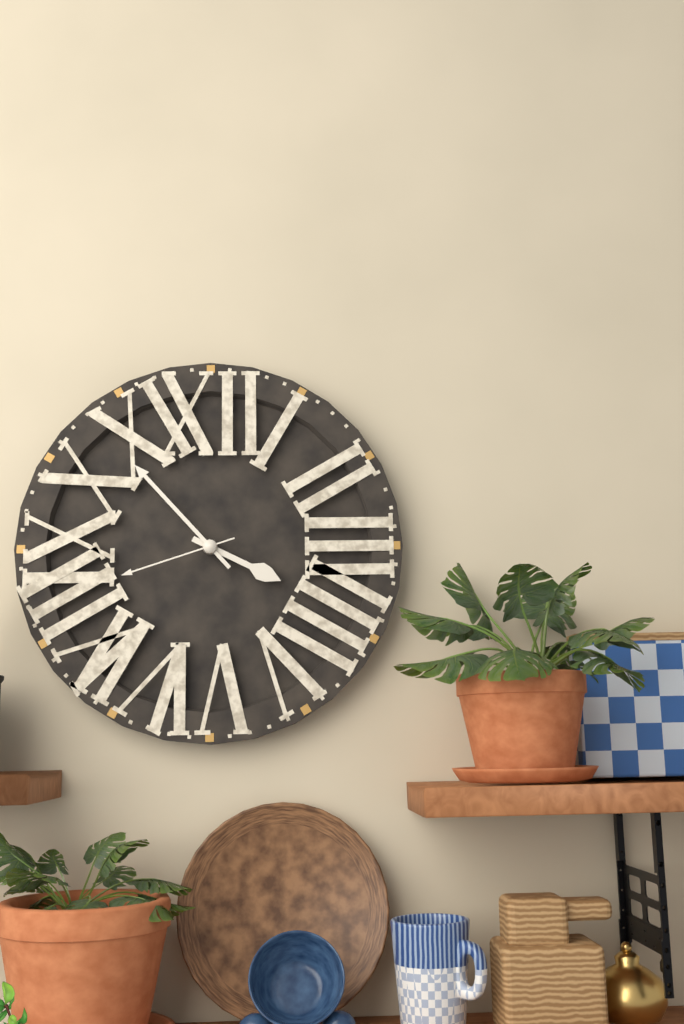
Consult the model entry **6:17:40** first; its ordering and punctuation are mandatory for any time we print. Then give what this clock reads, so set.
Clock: **3:53:42**
